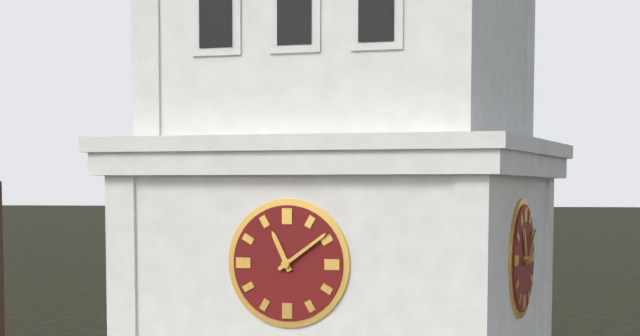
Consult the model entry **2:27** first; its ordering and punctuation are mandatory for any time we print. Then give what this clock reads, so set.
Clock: **11:09**
